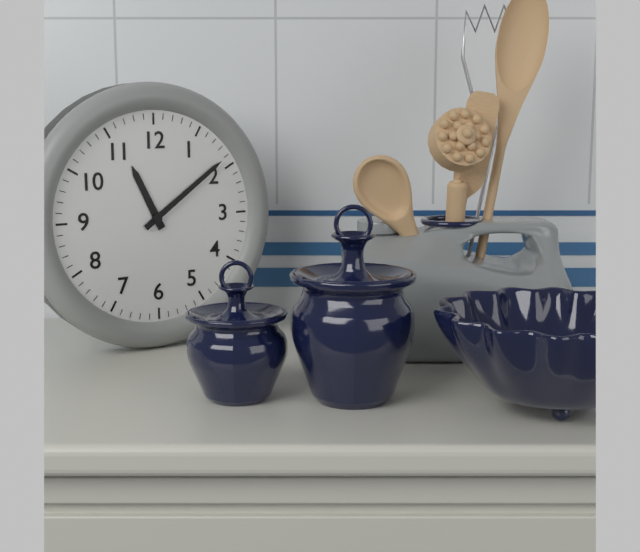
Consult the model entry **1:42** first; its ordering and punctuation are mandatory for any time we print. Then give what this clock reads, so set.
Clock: **11:09**
